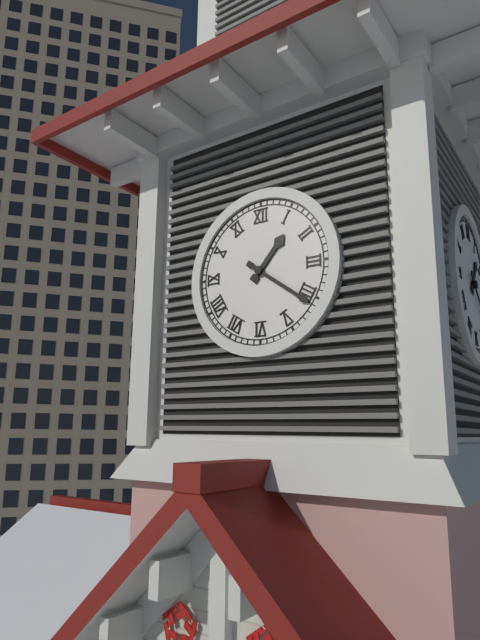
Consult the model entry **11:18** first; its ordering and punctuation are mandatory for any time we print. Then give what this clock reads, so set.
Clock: **1:21**
